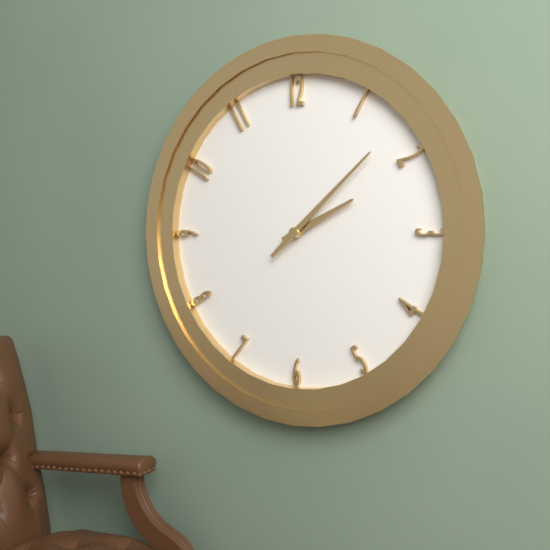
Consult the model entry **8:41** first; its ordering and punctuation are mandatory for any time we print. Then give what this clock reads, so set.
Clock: **2:08**
